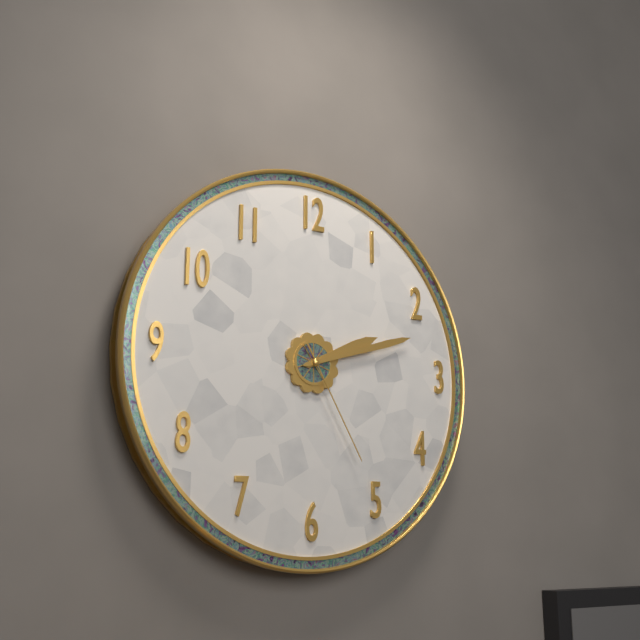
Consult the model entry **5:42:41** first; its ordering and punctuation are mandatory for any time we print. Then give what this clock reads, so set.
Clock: **2:12:25**
